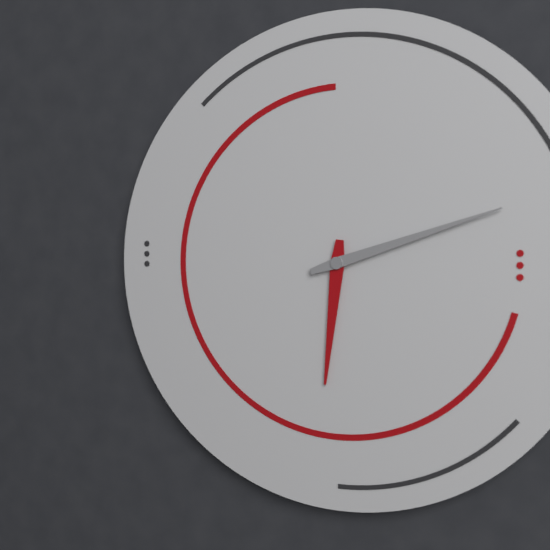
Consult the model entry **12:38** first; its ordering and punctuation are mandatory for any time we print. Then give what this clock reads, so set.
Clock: **6:12**
